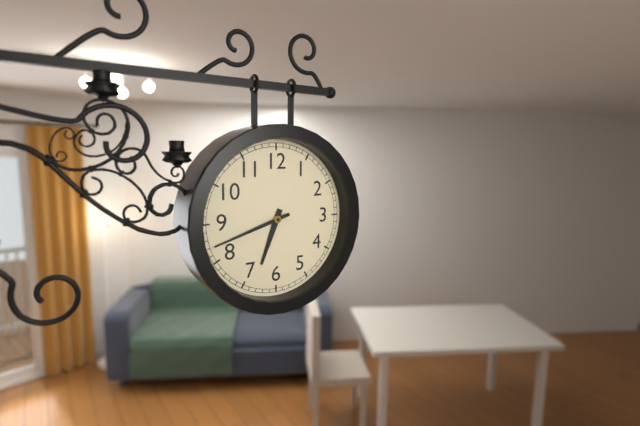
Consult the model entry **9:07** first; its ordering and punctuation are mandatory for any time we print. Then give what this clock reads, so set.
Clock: **6:42**
